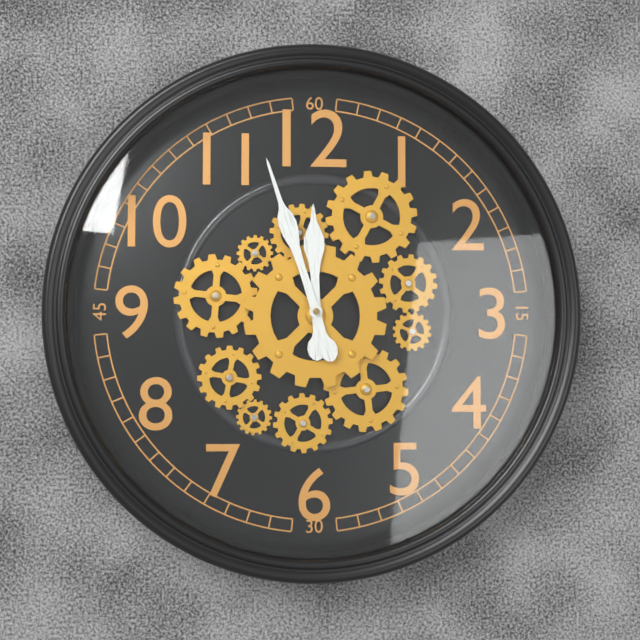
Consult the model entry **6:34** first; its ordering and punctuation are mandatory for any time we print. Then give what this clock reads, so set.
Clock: **11:57**
